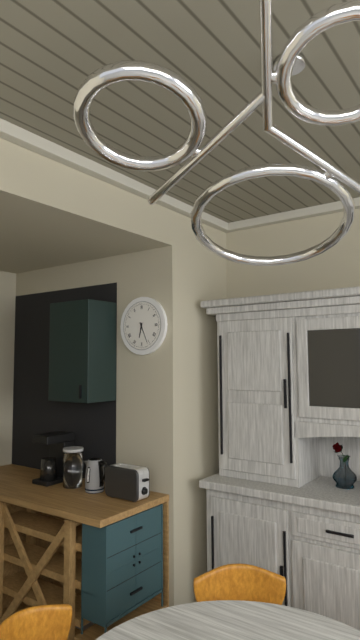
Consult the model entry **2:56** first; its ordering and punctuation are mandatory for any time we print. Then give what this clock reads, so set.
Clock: **6:26**
